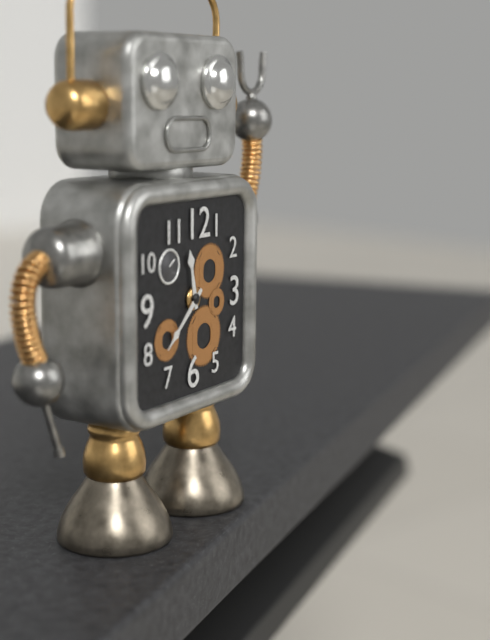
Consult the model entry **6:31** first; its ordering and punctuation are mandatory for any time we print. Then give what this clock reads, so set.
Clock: **11:38**
